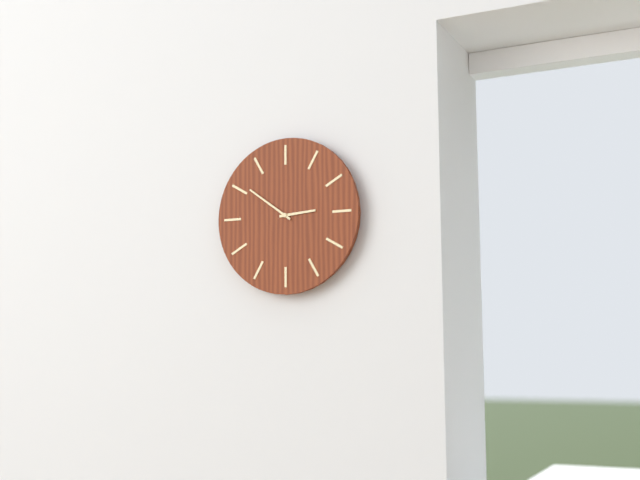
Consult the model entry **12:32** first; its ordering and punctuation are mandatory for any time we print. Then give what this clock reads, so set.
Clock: **2:51**
